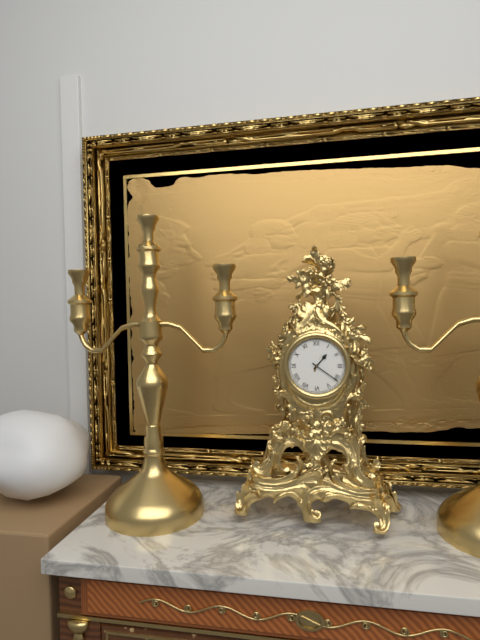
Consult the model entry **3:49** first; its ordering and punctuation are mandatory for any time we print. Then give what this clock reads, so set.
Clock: **1:21**
